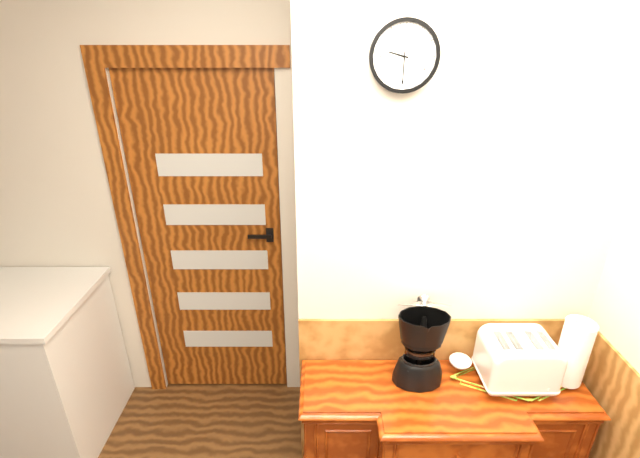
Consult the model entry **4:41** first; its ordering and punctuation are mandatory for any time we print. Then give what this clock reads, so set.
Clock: **9:30**
